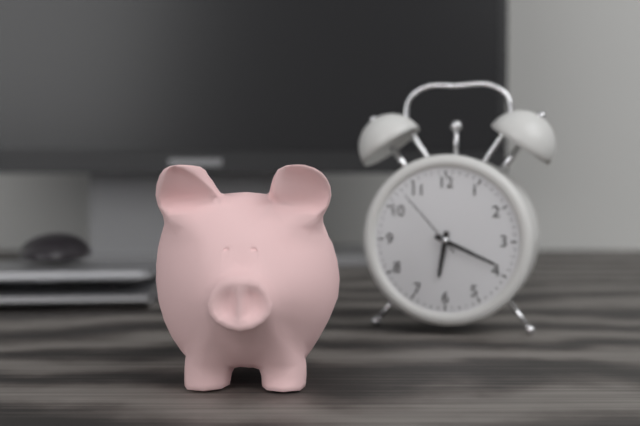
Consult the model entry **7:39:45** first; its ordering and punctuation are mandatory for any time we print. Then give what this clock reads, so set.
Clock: **6:19:53**
